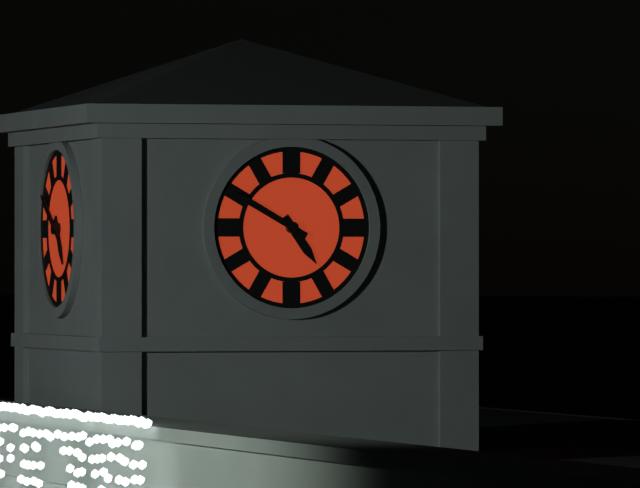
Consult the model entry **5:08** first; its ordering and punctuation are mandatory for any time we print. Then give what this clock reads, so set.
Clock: **4:50**
